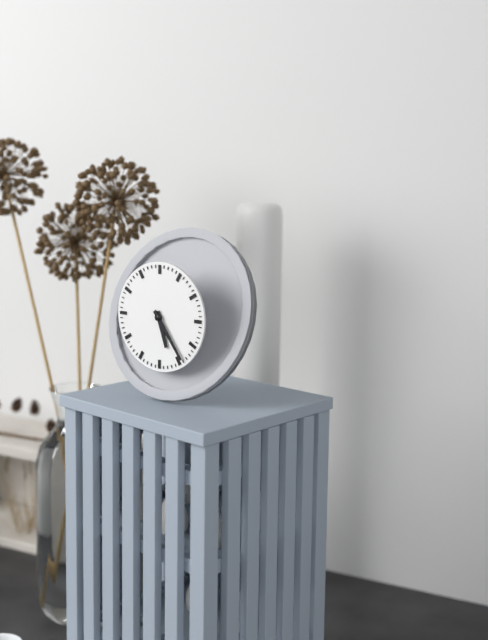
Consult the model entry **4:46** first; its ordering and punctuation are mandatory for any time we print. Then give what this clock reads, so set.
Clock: **5:24**
